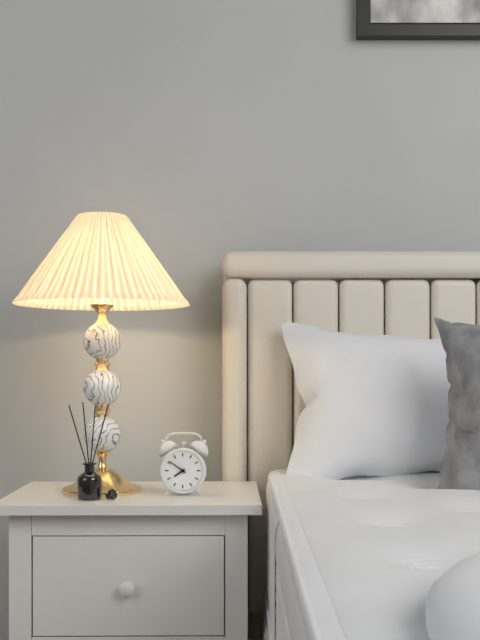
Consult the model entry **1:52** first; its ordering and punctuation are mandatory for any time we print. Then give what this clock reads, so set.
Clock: **7:51**
